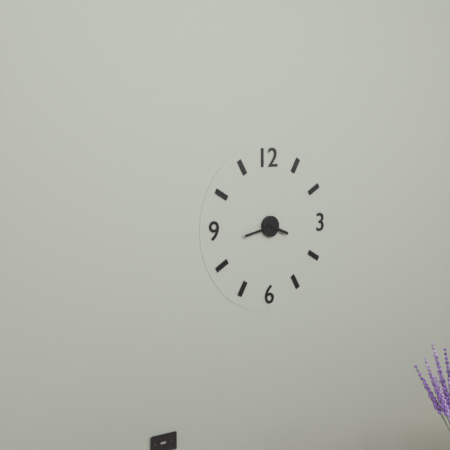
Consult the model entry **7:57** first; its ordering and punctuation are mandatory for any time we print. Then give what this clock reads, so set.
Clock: **3:43**
